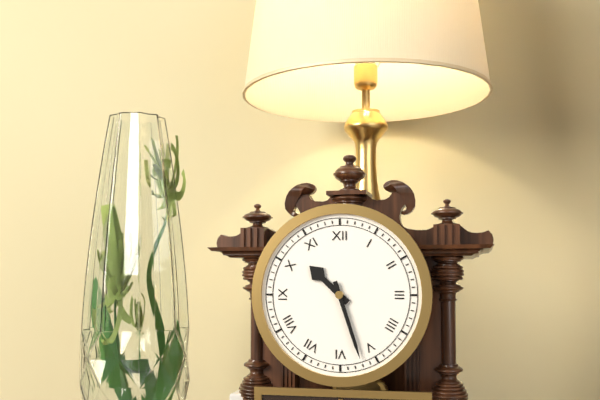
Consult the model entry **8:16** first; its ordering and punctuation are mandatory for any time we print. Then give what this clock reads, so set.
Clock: **10:27**
